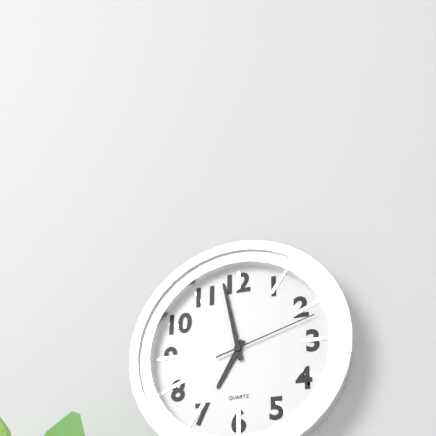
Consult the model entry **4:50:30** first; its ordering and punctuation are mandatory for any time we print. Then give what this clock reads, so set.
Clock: **6:58:12**
